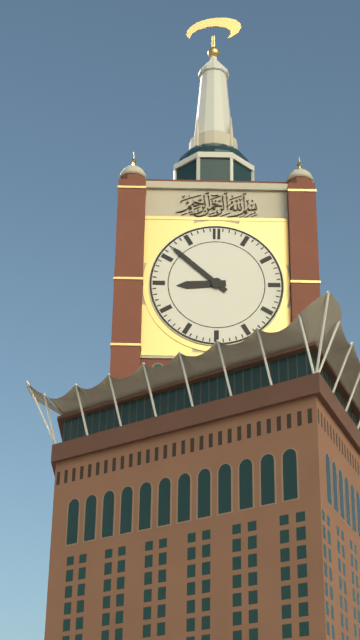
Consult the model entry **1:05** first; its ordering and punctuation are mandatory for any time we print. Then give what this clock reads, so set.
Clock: **8:52**
